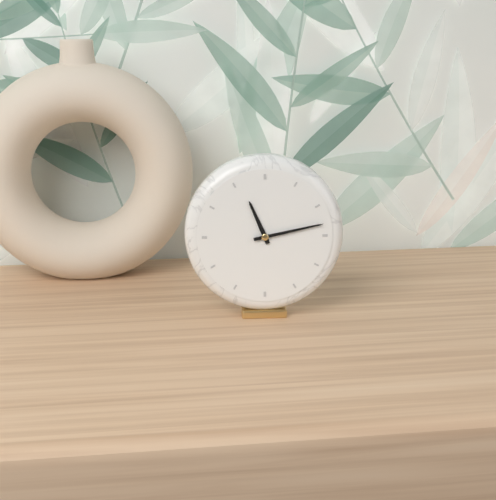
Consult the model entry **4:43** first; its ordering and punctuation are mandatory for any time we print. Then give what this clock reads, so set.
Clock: **11:13**
